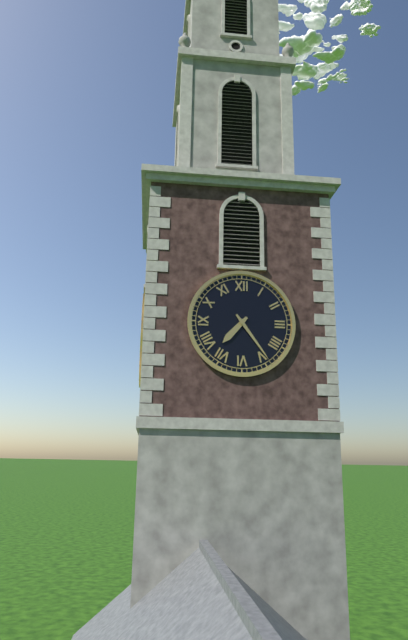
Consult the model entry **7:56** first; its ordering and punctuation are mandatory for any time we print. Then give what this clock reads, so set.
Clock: **7:24**
